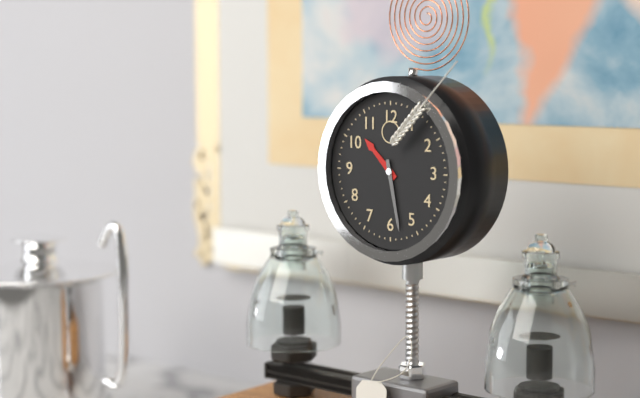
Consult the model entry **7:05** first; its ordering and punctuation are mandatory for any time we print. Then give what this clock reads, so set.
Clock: **10:28**
